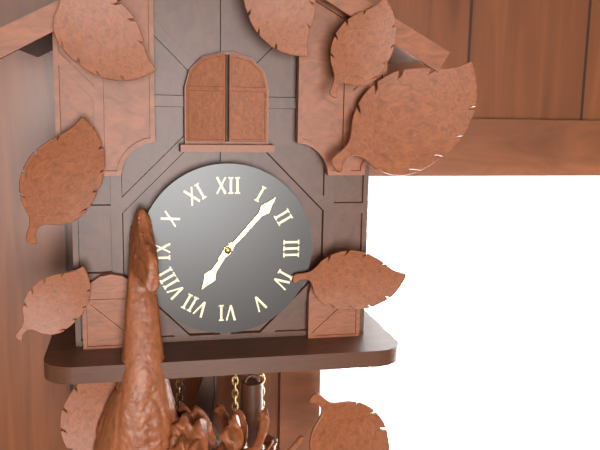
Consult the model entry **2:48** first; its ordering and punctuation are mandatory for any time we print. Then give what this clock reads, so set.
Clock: **7:07**
